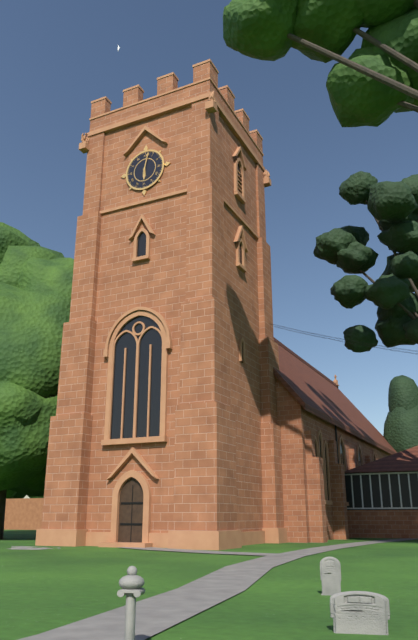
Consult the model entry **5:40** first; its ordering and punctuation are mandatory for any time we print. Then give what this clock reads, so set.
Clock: **6:02**
